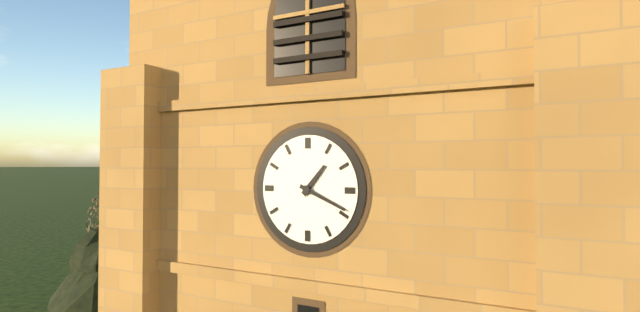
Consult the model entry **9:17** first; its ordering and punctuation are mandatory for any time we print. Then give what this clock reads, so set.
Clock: **1:19**
